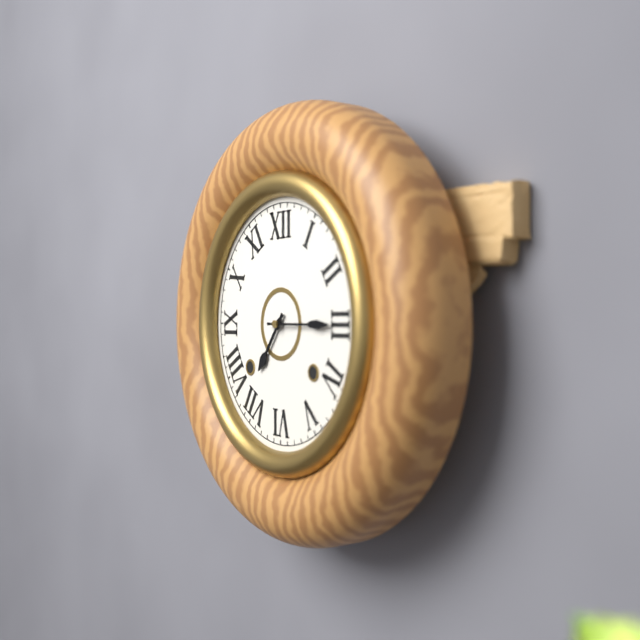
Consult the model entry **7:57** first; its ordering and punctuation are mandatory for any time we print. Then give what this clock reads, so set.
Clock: **7:15**
